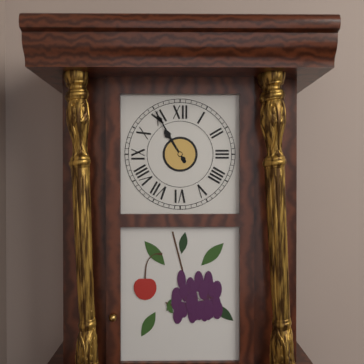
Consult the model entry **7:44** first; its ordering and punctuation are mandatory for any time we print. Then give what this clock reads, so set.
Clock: **10:55**
